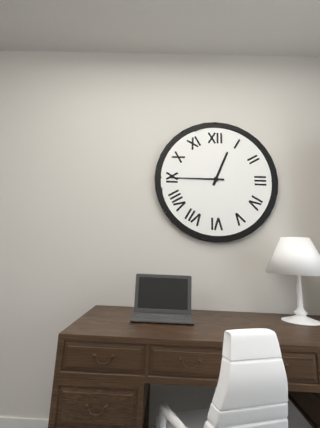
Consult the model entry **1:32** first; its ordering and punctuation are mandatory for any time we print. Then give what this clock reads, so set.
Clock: **12:45**
